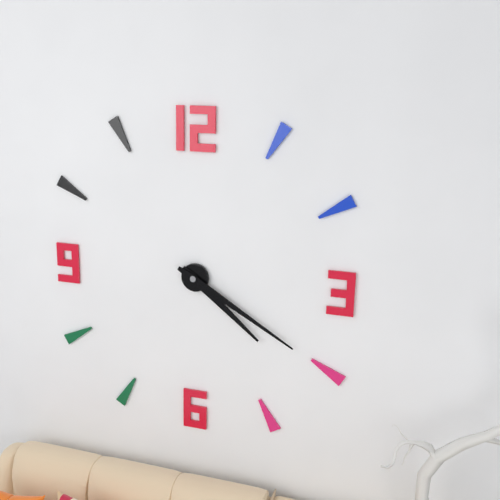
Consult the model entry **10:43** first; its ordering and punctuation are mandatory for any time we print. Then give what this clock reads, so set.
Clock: **4:20**
